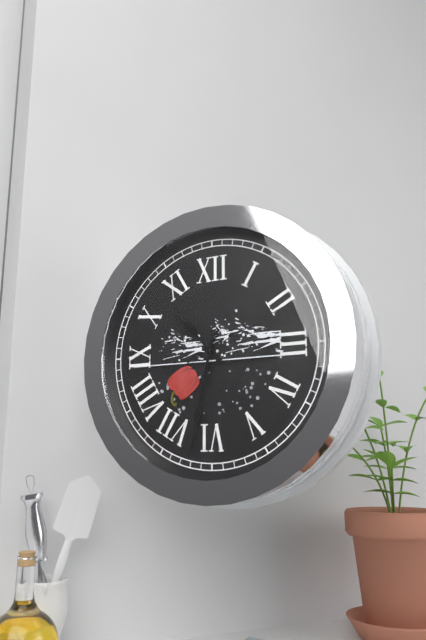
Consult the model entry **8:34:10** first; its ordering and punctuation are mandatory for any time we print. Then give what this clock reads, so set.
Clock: **10:32:11**
